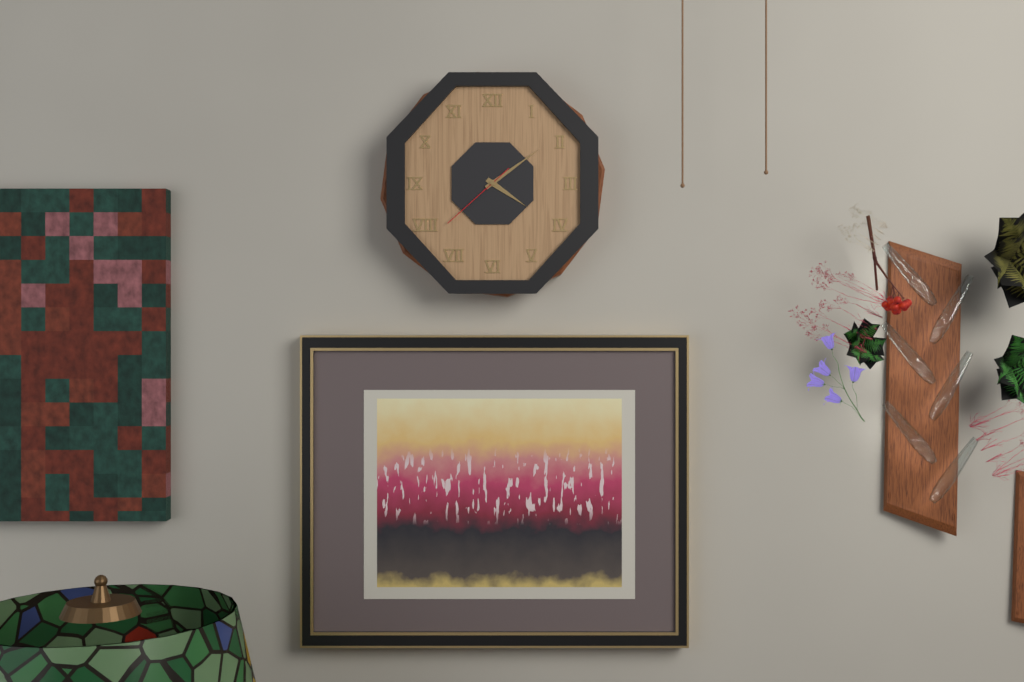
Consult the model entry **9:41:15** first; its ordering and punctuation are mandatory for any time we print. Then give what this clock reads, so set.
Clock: **4:09:38**
